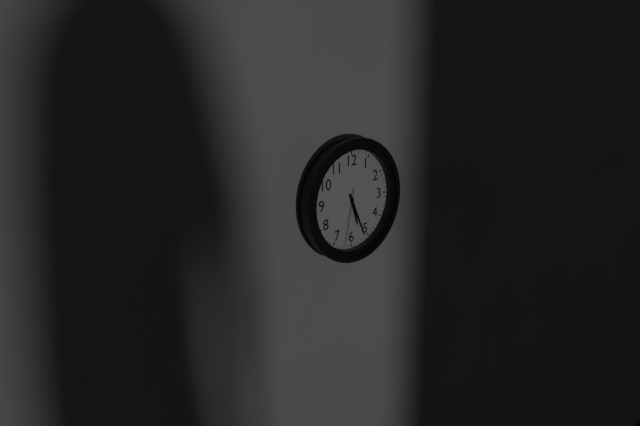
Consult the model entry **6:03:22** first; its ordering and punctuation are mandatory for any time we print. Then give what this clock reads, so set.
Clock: **5:26:32**
